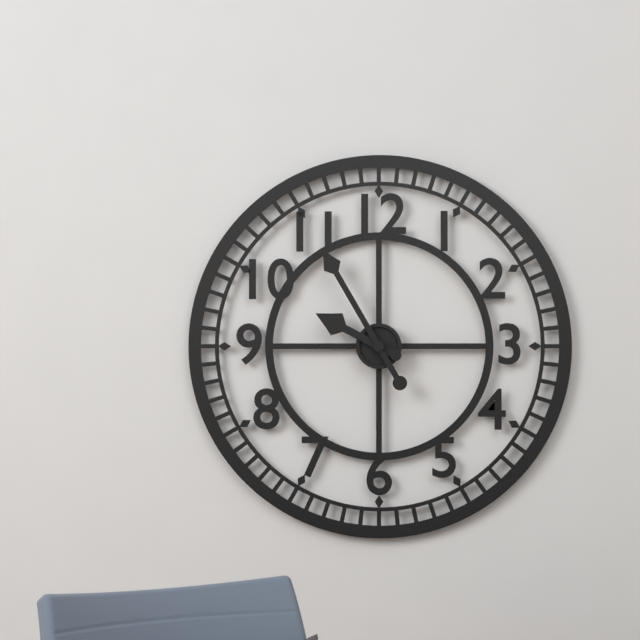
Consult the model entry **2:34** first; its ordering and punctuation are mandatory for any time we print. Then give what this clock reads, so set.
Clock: **9:55**
